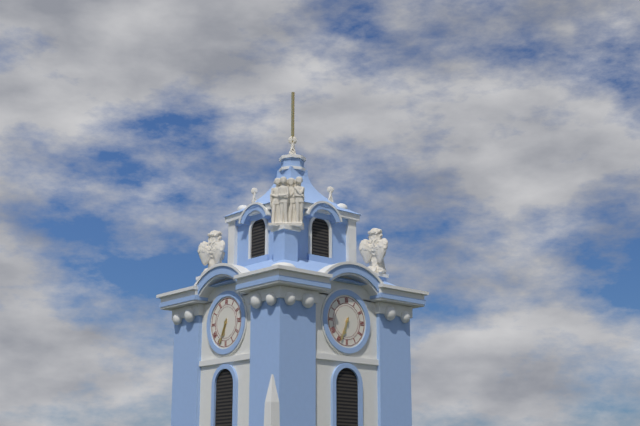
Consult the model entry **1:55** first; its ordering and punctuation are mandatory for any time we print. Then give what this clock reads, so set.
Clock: **6:34**
